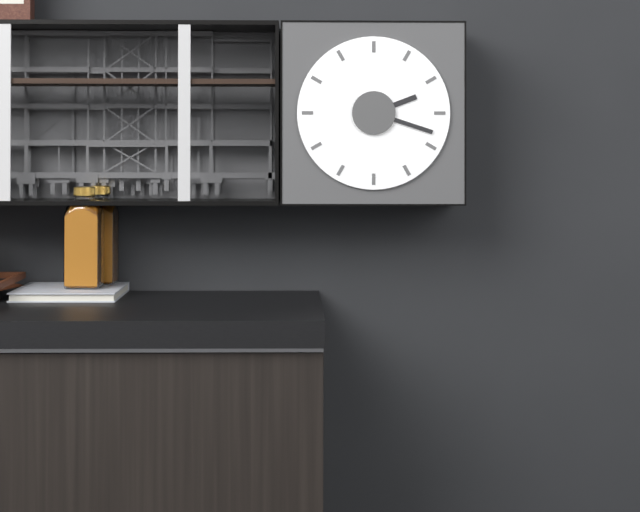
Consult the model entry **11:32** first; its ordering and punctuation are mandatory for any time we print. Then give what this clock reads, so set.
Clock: **2:18**
